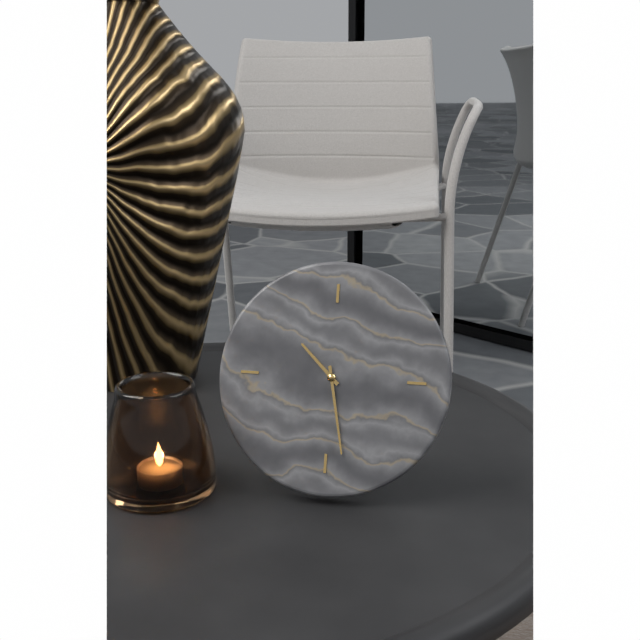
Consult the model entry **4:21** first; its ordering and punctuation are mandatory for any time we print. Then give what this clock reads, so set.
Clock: **10:28**
